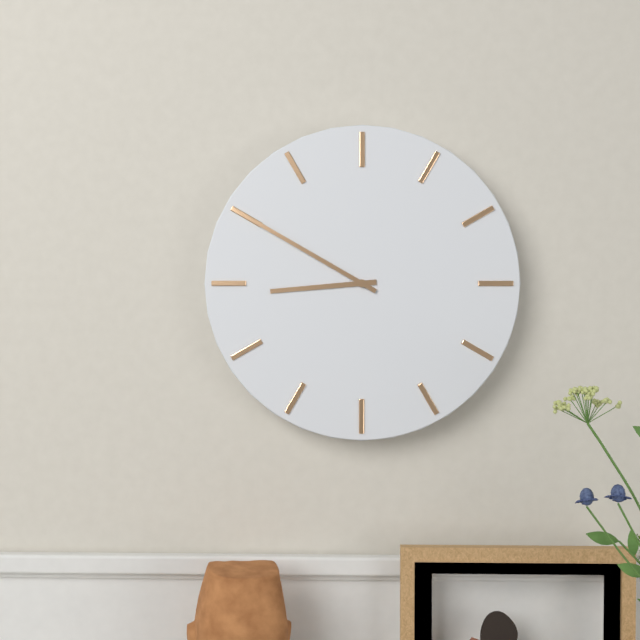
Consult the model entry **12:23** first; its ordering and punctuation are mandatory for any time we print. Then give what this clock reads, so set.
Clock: **8:50**
